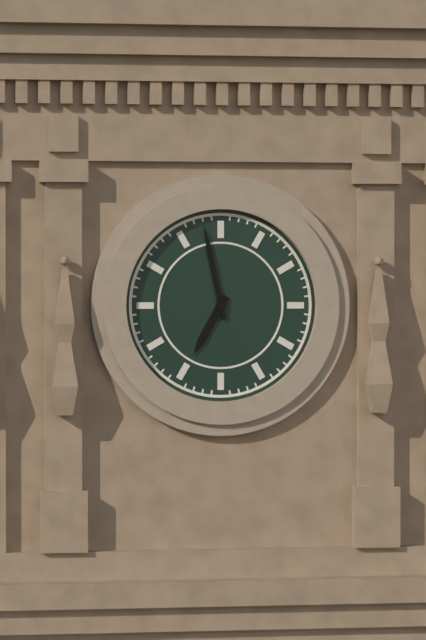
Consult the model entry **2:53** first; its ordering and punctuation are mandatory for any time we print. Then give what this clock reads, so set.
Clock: **6:58**
